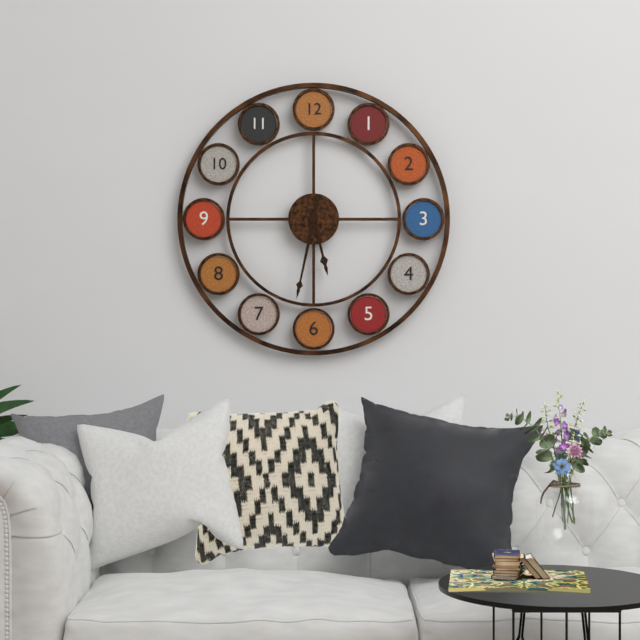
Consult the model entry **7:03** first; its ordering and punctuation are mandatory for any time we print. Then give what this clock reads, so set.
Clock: **5:32**
